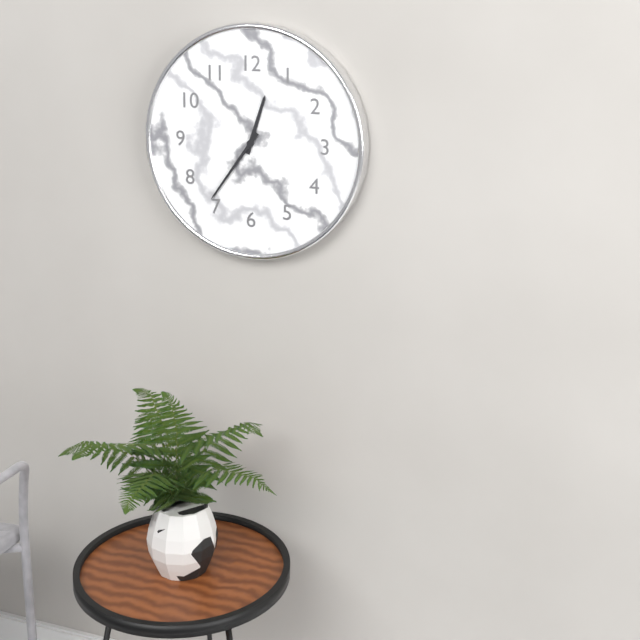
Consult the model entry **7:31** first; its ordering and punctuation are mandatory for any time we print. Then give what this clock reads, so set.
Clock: **12:36**
